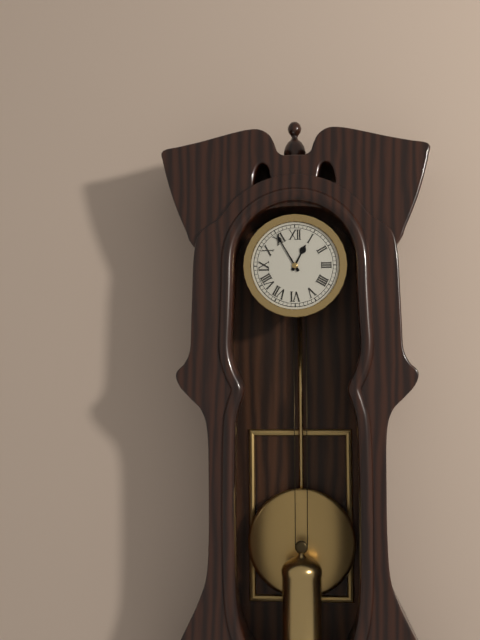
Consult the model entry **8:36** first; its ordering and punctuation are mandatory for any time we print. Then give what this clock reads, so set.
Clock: **12:55**
